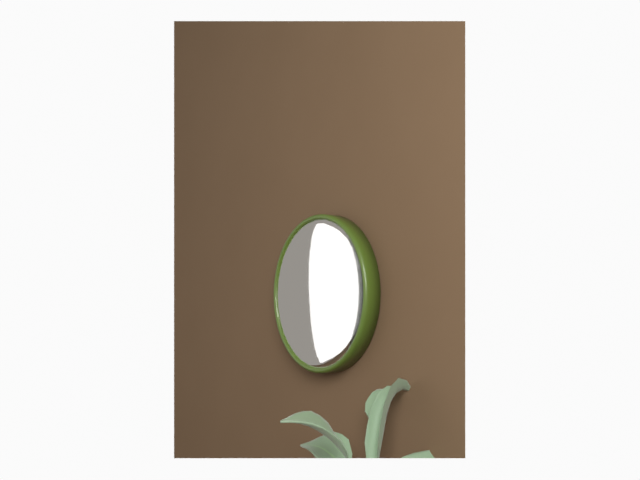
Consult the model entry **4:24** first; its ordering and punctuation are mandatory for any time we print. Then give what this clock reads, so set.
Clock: **8:15**
